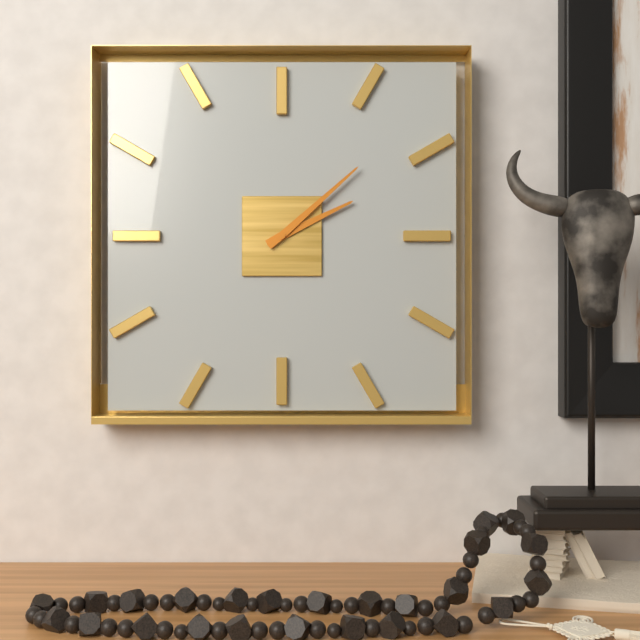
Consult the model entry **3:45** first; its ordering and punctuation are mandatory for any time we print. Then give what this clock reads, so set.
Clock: **2:08**
